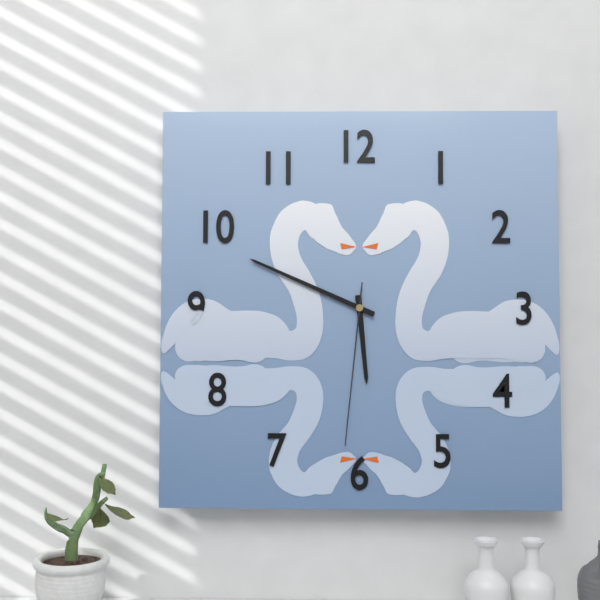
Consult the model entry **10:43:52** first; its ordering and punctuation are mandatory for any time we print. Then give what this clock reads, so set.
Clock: **5:49:31**
